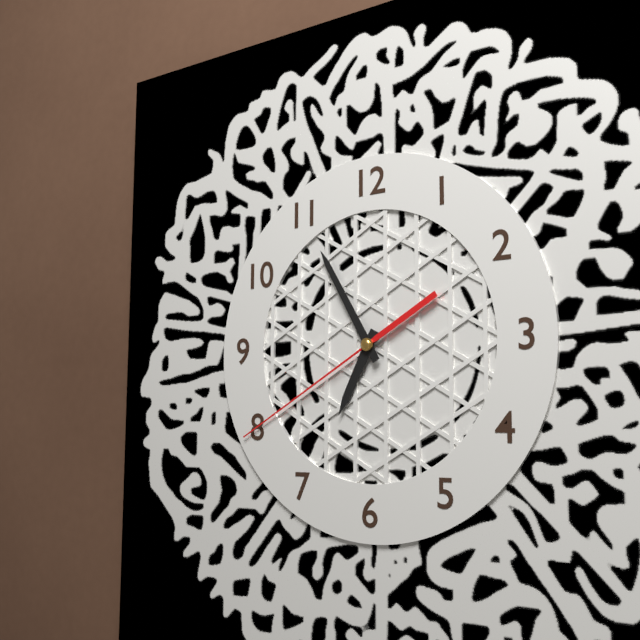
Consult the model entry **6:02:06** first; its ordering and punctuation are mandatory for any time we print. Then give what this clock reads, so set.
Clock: **6:55:40**
